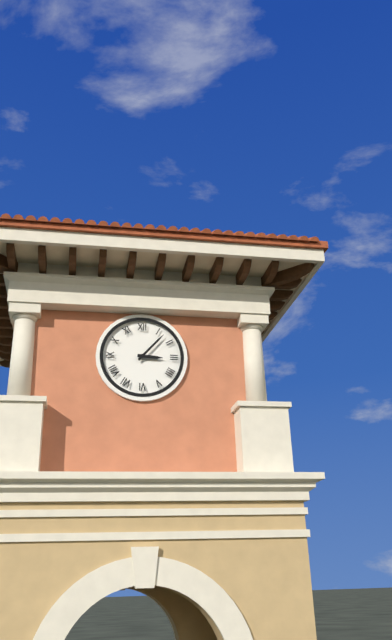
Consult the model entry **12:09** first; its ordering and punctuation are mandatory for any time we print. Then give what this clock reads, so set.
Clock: **3:07**
